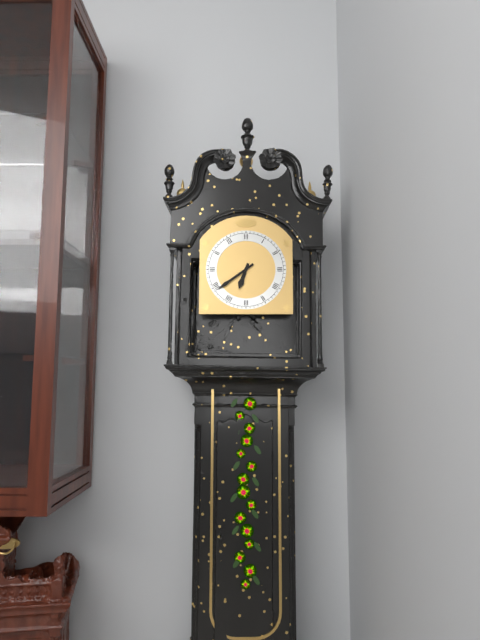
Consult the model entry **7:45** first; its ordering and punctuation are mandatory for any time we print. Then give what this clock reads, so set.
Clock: **6:39**
